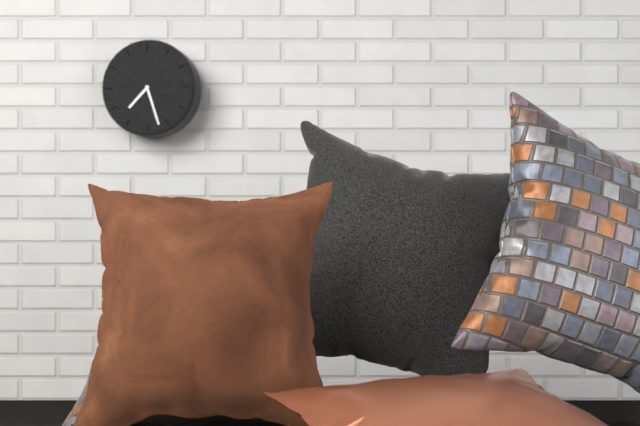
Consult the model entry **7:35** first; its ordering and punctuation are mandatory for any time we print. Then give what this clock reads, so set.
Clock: **7:27**
